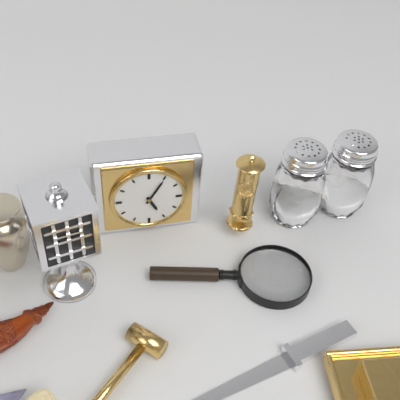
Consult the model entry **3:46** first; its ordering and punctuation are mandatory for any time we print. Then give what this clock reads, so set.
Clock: **5:05**
